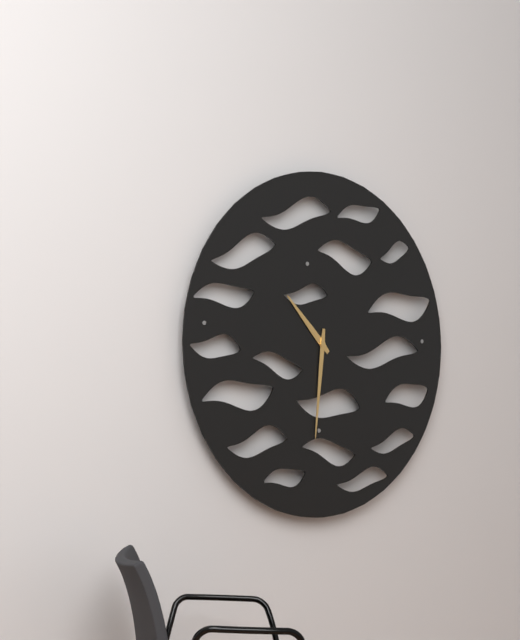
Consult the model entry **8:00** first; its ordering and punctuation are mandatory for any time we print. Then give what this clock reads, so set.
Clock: **10:31**
